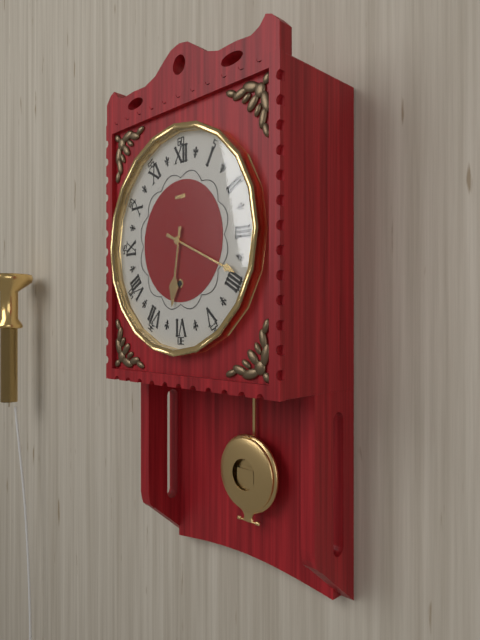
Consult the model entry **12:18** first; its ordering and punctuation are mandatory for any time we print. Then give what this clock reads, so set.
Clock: **6:19**
